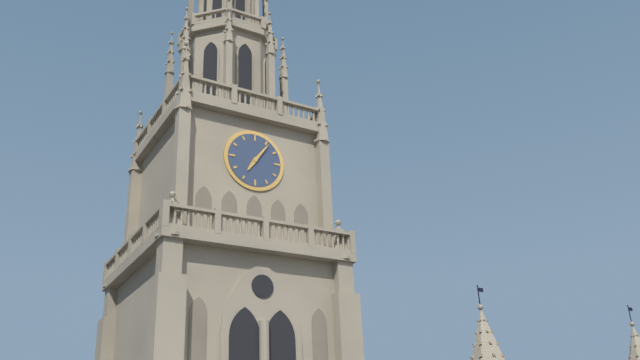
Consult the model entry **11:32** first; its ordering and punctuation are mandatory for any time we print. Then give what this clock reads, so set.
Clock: **7:06**
